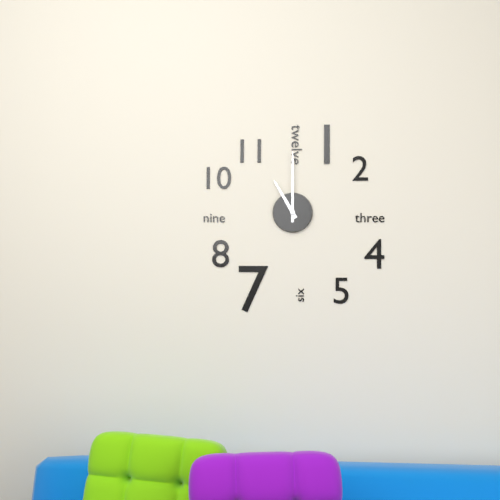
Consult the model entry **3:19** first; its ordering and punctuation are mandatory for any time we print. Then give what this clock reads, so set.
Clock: **11:00**
